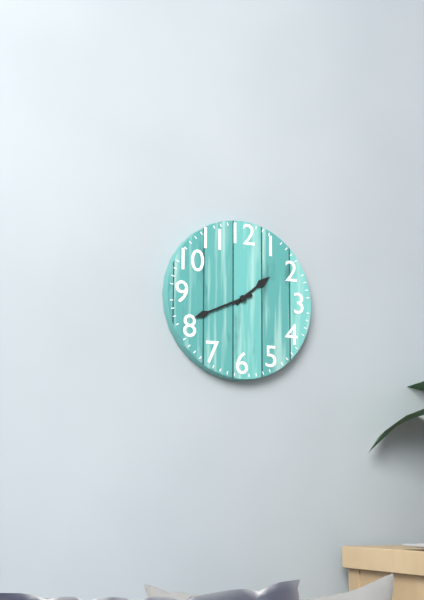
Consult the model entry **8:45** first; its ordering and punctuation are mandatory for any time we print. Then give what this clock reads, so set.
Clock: **1:41**
